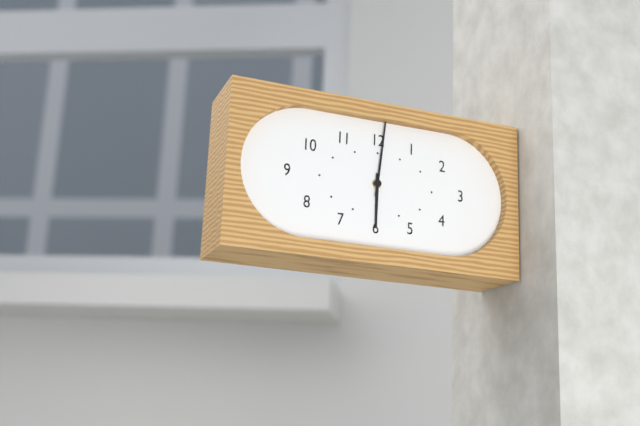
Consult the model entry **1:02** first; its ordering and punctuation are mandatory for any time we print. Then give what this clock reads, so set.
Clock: **6:01**
